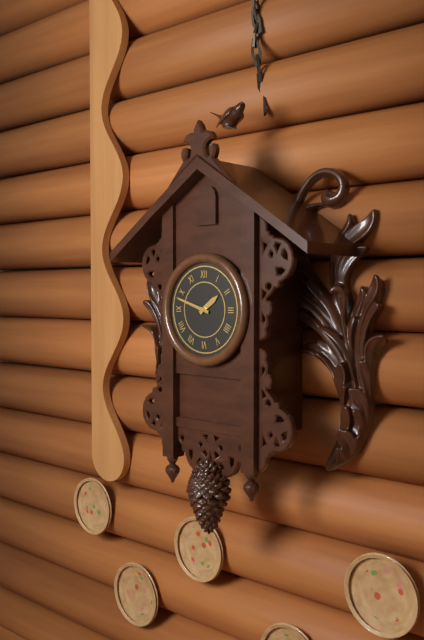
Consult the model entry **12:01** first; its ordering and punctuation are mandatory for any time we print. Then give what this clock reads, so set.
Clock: **1:48**
